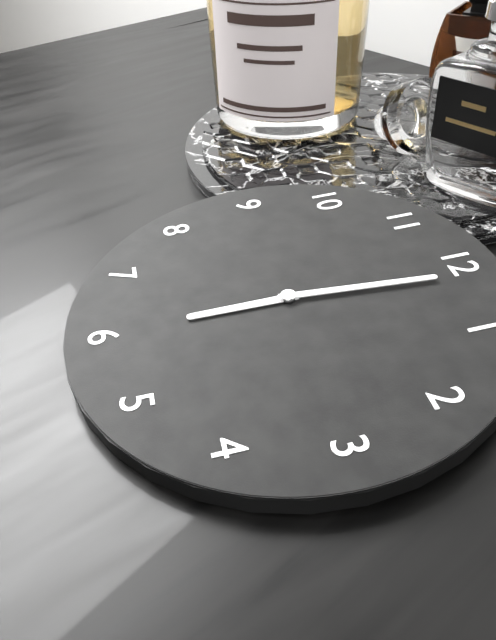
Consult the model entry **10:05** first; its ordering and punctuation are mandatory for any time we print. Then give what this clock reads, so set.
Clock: **6:01**
